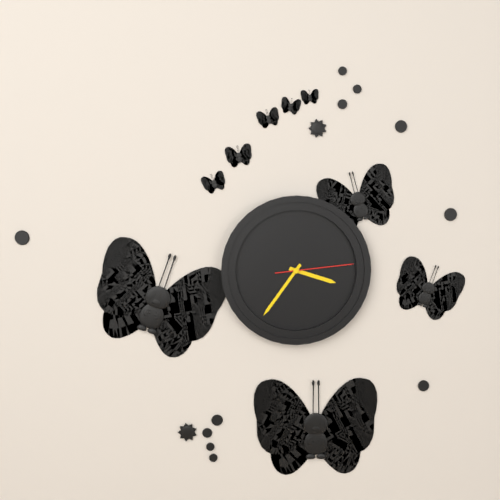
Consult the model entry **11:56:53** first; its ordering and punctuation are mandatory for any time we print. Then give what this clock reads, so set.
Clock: **3:36:14**
